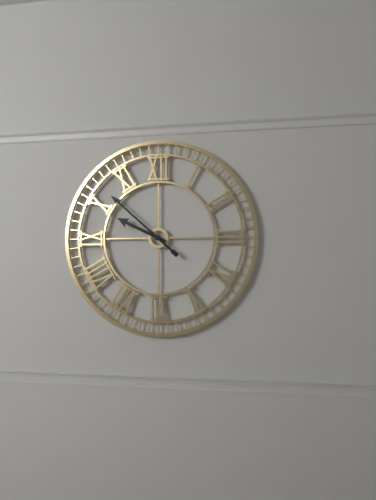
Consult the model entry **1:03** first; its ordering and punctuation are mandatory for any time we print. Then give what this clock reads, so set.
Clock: **9:52**
